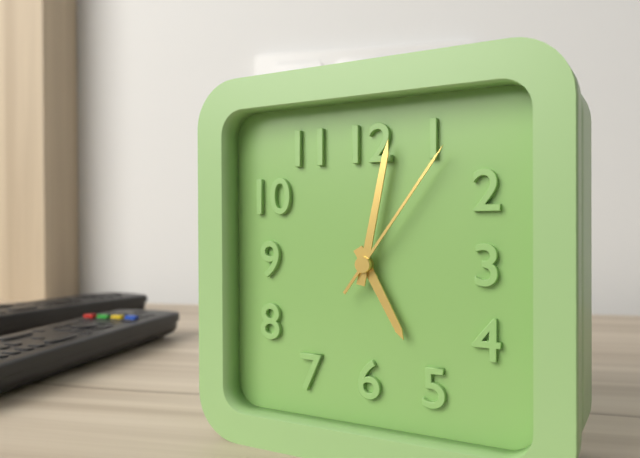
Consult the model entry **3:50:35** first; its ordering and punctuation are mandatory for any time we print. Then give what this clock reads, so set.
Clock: **5:02:06**
